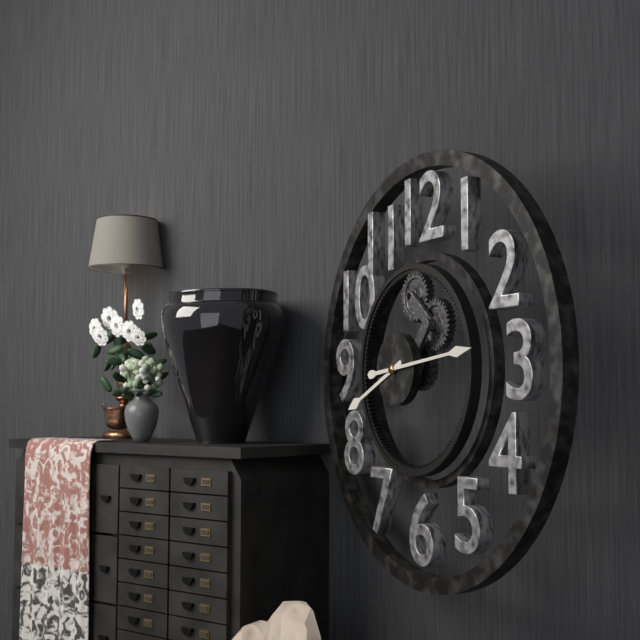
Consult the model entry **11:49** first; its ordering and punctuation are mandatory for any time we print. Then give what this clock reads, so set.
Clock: **8:14**
